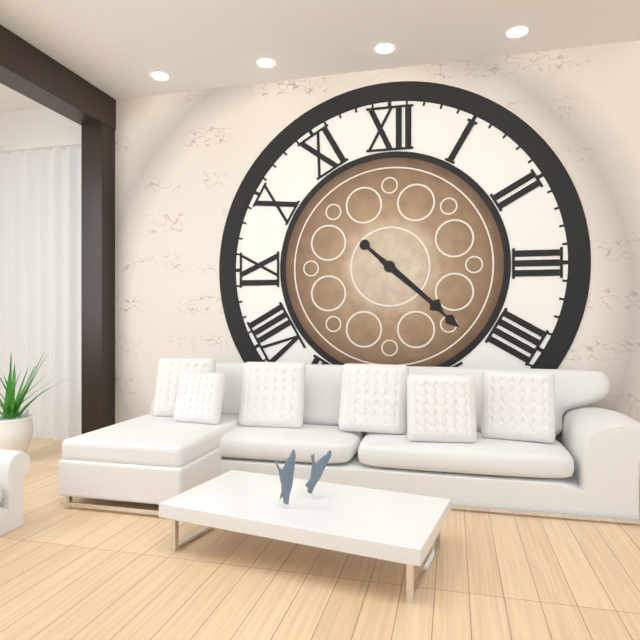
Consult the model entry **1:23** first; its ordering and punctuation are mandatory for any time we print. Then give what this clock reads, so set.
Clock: **4:22**
